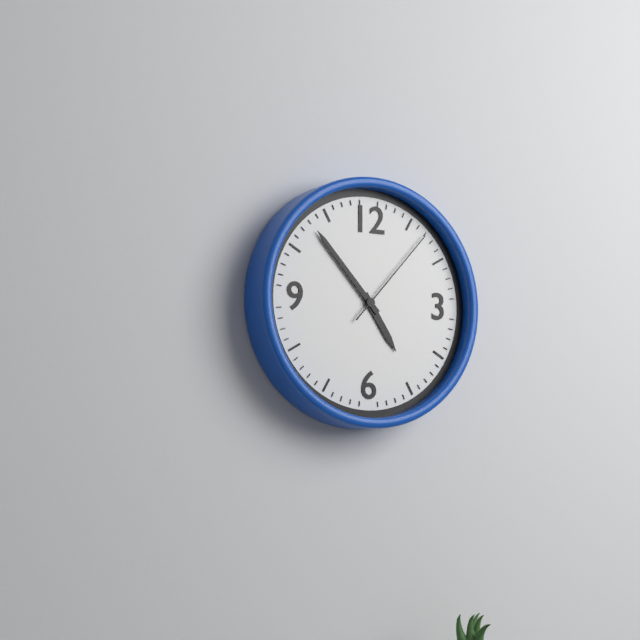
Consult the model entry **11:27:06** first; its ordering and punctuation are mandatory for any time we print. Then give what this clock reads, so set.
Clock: **4:53:07**
